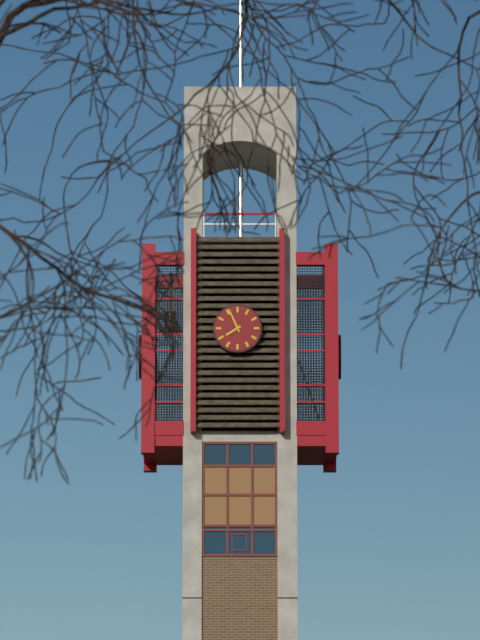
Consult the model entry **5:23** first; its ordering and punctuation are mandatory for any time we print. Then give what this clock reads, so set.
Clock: **7:56**
